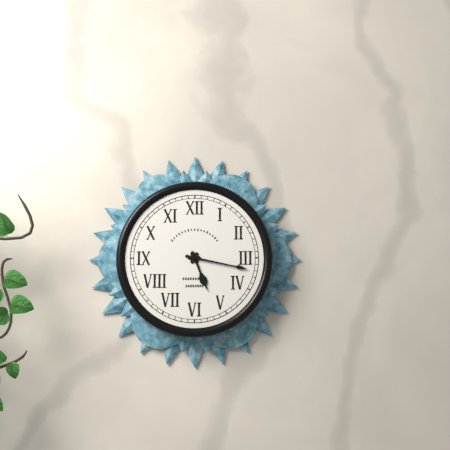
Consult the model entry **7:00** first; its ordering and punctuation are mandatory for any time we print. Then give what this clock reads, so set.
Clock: **5:17**
